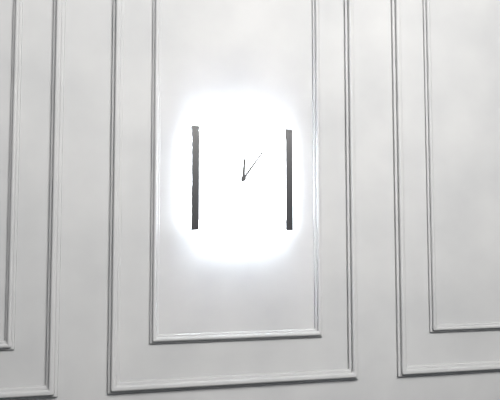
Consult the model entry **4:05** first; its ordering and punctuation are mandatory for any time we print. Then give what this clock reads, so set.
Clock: **12:06**
